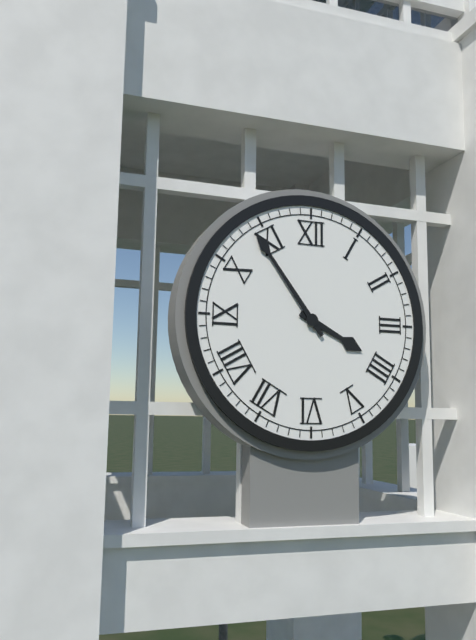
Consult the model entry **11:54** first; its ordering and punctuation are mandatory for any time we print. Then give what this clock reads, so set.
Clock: **3:54**
